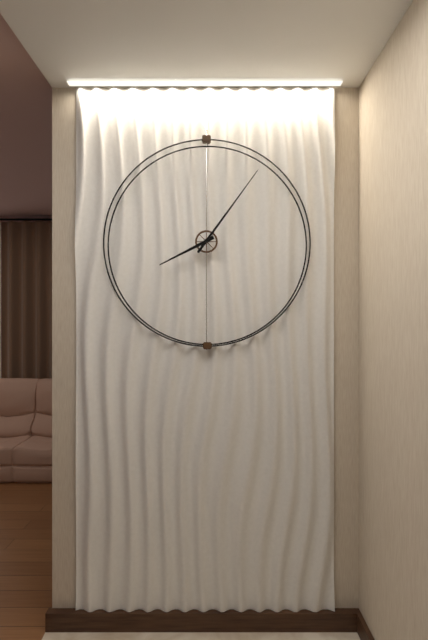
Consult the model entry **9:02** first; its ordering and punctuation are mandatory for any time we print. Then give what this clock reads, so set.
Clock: **8:06**
